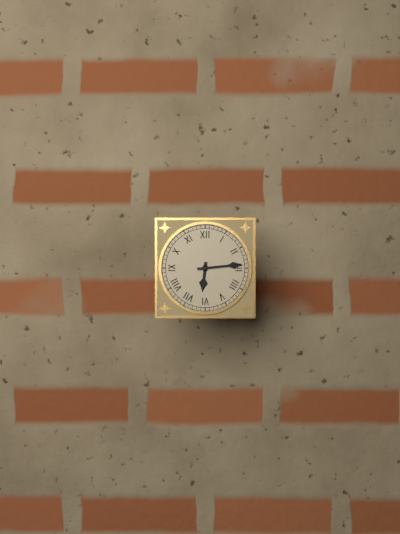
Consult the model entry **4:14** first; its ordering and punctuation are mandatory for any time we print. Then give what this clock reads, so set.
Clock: **6:14**
